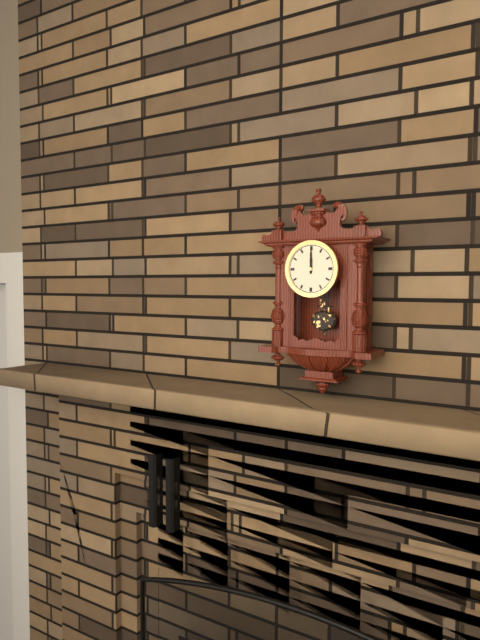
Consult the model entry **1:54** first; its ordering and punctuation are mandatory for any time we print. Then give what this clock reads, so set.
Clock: **12:00**
